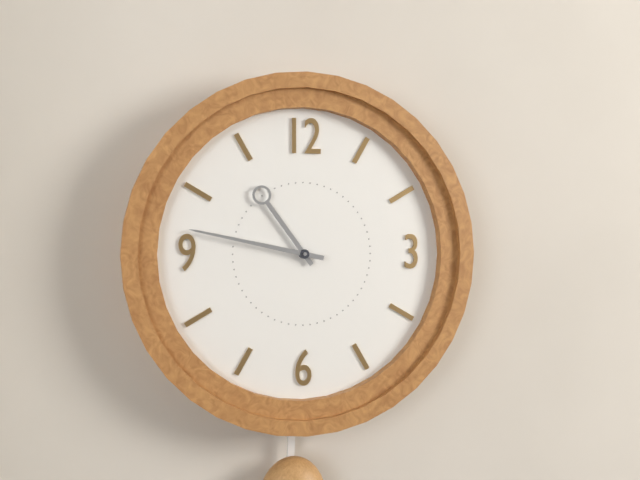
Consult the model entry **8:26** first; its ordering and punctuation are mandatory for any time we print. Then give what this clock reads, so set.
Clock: **10:47**
